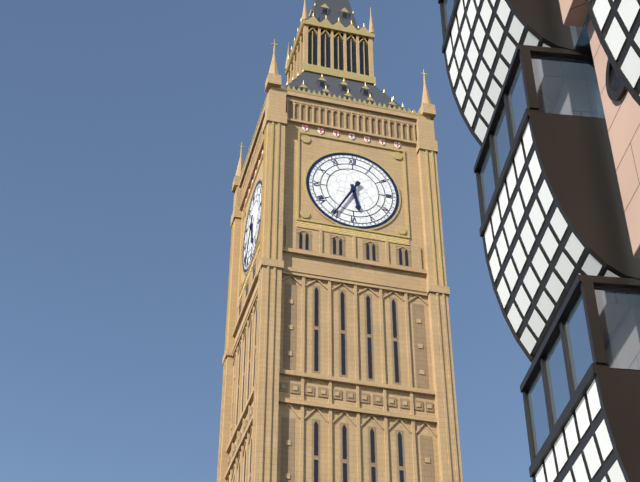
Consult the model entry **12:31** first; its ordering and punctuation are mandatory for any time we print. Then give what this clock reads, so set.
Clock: **5:35**
